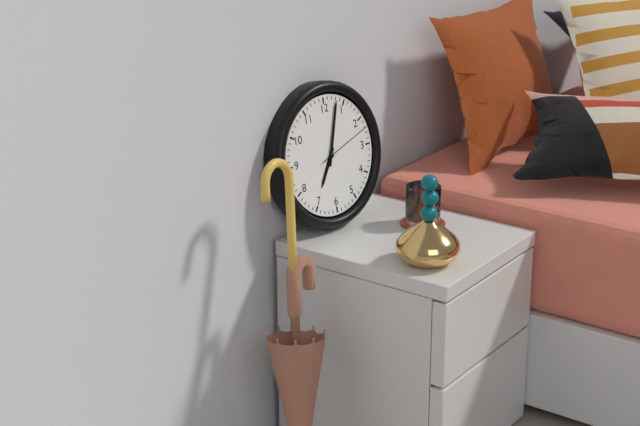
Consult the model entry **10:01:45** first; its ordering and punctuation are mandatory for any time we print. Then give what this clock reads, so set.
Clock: **7:03:12**
